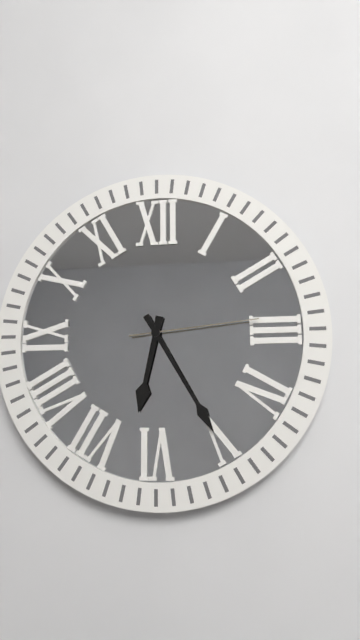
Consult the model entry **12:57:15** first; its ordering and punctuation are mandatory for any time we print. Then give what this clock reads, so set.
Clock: **6:25:14**
